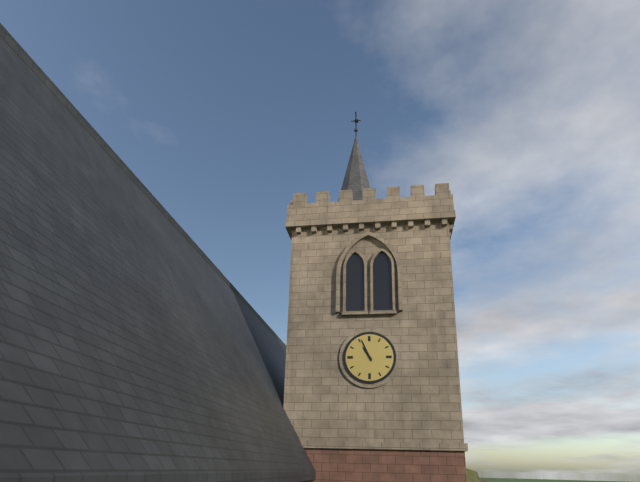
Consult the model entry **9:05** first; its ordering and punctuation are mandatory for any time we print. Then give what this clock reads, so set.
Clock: **10:56**
